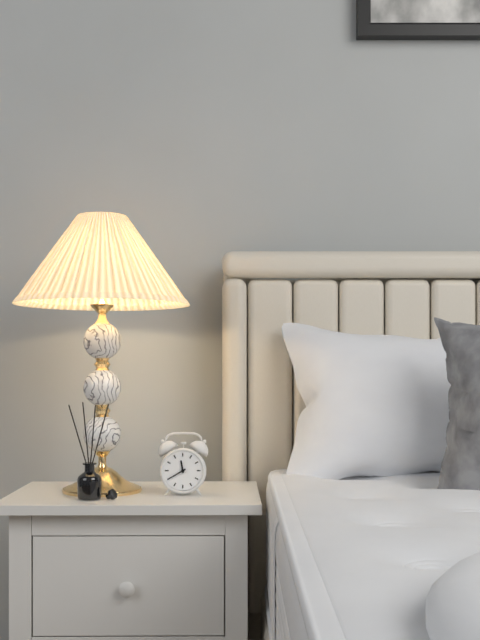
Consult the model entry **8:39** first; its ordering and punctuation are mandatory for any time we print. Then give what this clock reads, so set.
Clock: **11:40**
